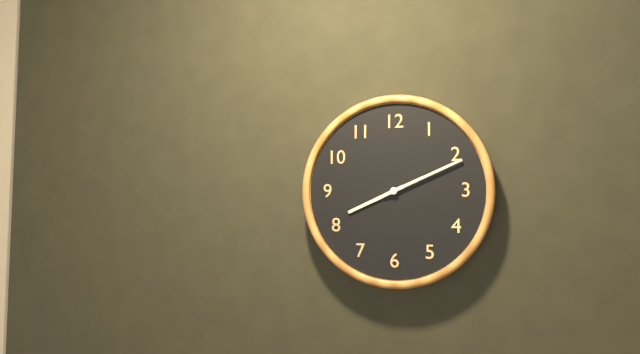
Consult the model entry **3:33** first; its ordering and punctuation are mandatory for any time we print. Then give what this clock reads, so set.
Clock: **8:11**
